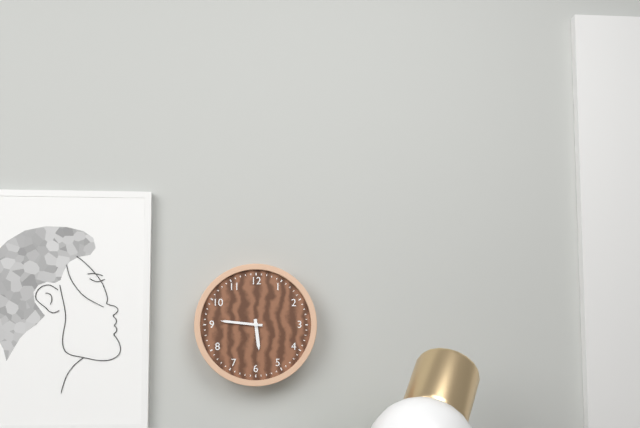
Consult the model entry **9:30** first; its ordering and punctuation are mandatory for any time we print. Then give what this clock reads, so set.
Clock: **5:46**
